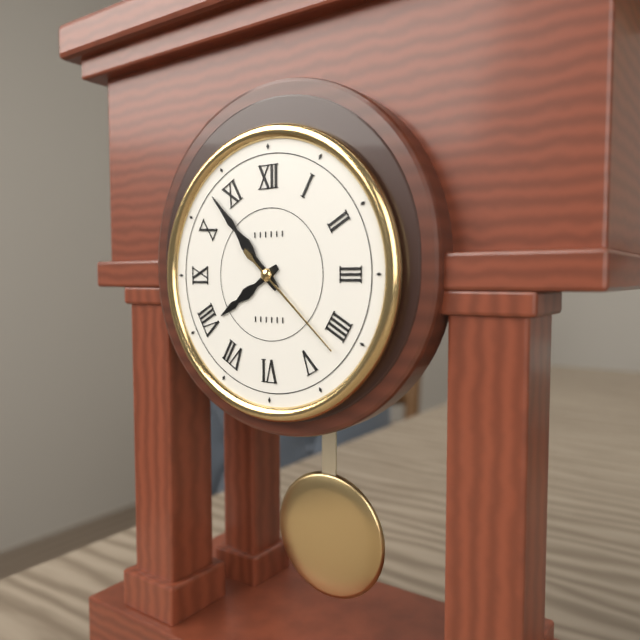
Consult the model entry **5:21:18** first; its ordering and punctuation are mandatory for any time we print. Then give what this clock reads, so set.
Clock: **7:53:22**
